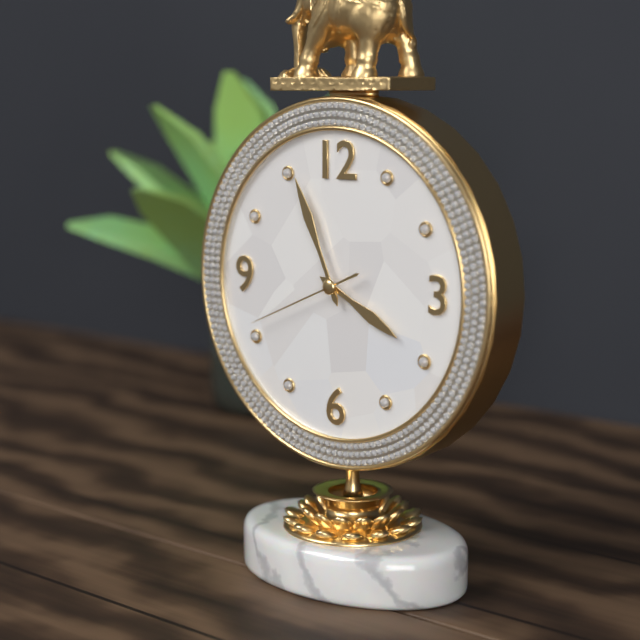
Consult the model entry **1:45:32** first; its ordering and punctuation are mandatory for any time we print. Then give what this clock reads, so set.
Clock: **3:56:41**
